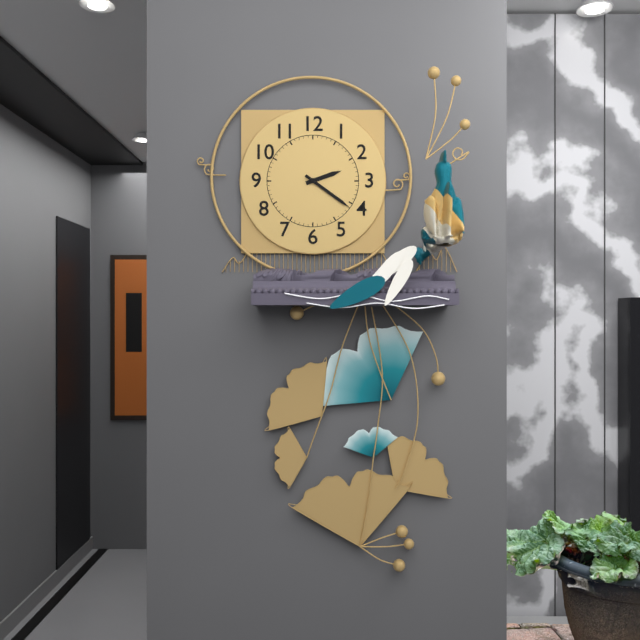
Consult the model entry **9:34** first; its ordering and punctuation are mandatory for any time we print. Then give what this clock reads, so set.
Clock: **2:21**
